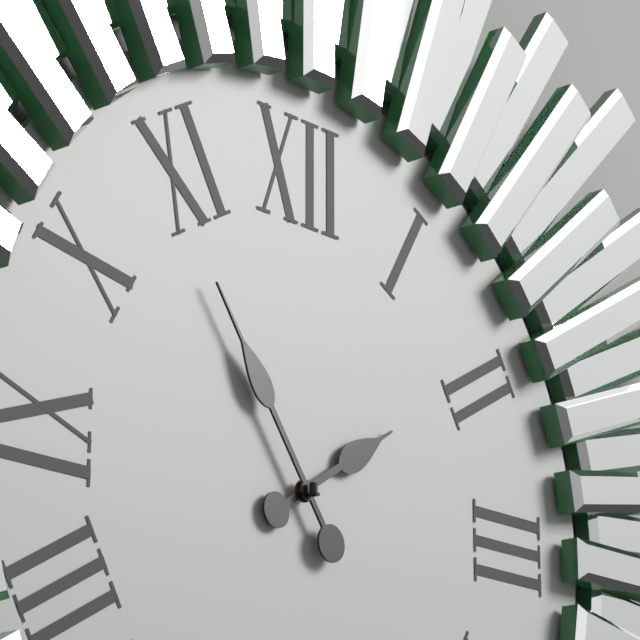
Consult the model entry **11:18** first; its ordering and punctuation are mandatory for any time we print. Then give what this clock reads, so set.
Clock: **1:54**
